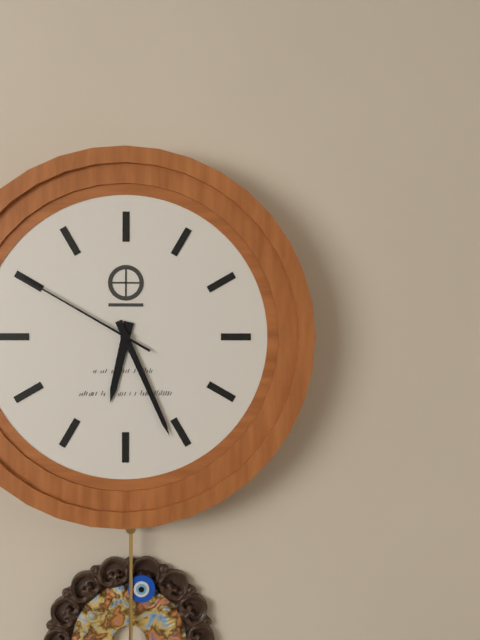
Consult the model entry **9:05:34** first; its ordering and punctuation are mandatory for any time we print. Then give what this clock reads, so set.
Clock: **6:26:50**
